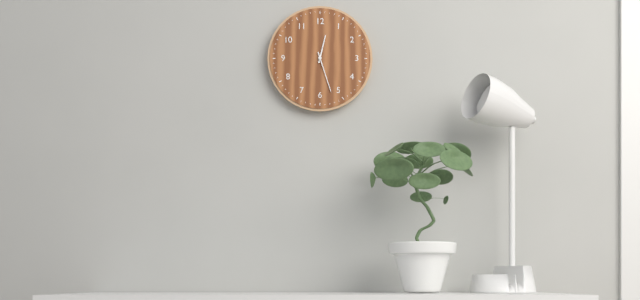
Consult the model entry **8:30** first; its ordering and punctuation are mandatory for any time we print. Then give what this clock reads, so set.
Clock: **12:27**
